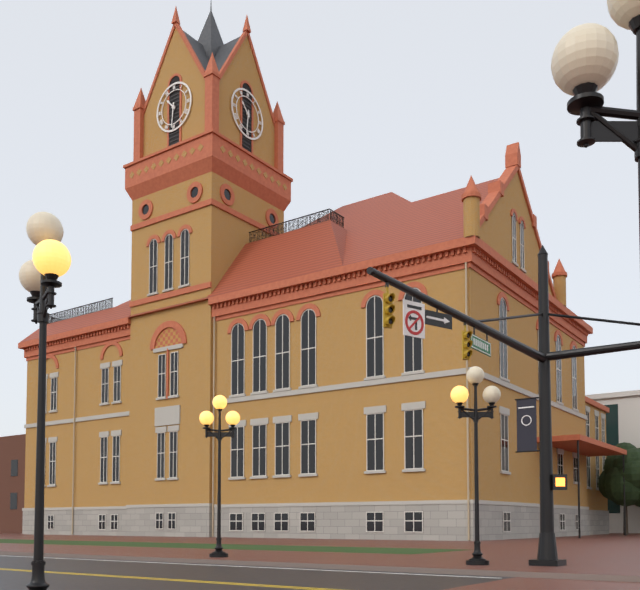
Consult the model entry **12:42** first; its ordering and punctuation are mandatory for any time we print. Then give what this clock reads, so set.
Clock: **10:31**
